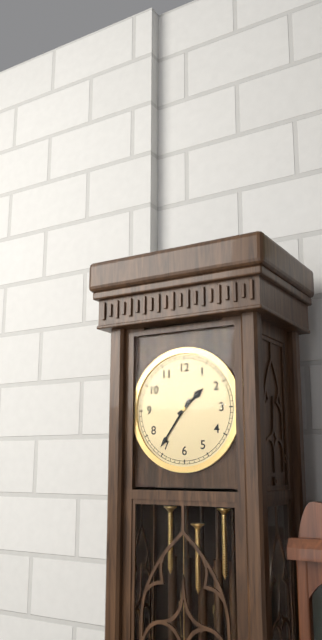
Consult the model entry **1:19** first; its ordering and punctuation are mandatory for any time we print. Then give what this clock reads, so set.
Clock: **1:36**
